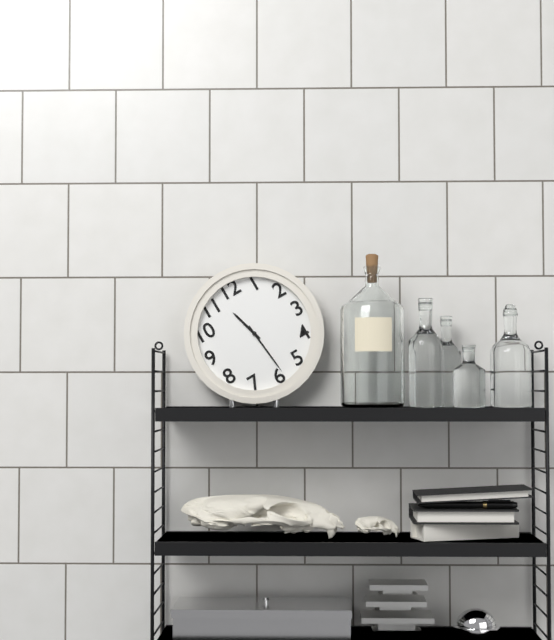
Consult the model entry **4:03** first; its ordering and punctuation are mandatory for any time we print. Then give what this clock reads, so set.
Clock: **11:29**
